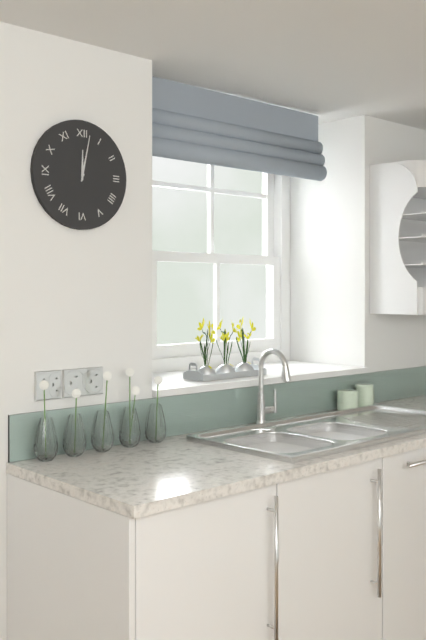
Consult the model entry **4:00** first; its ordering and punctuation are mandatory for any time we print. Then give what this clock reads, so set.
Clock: **12:02**
